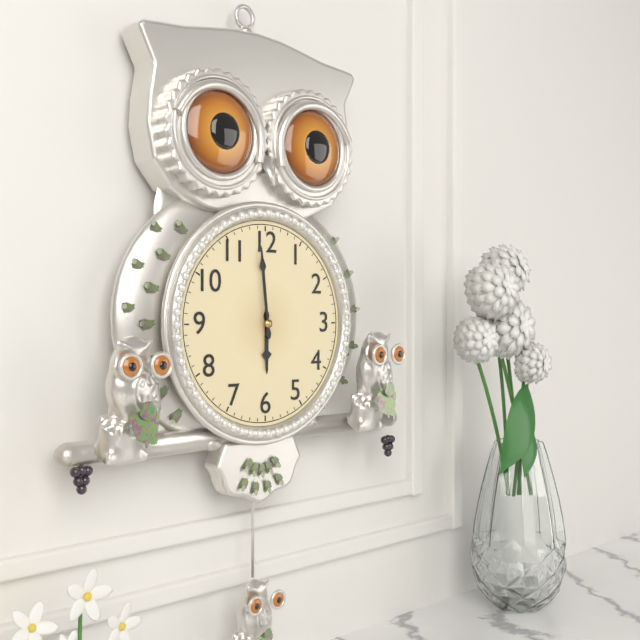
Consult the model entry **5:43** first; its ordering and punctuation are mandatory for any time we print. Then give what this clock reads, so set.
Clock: **5:59**
